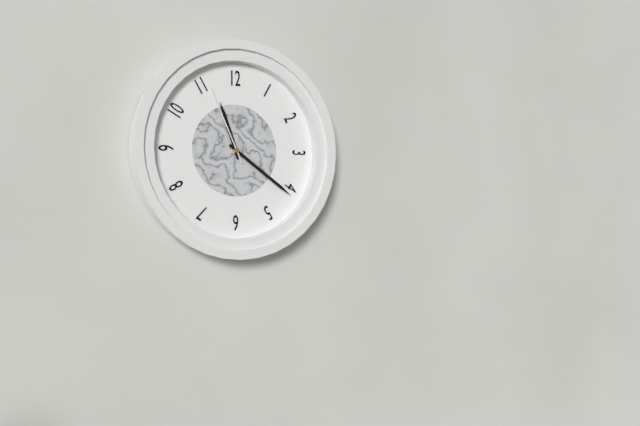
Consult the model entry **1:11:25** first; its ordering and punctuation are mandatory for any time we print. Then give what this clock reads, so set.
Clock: **11:21:56**
